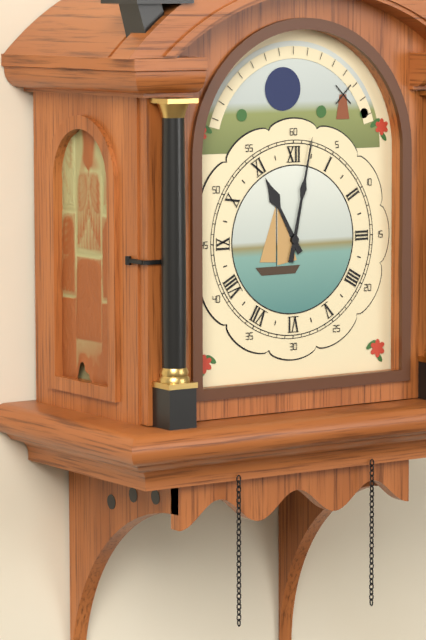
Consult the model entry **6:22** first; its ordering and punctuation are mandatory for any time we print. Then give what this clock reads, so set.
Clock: **11:02**
